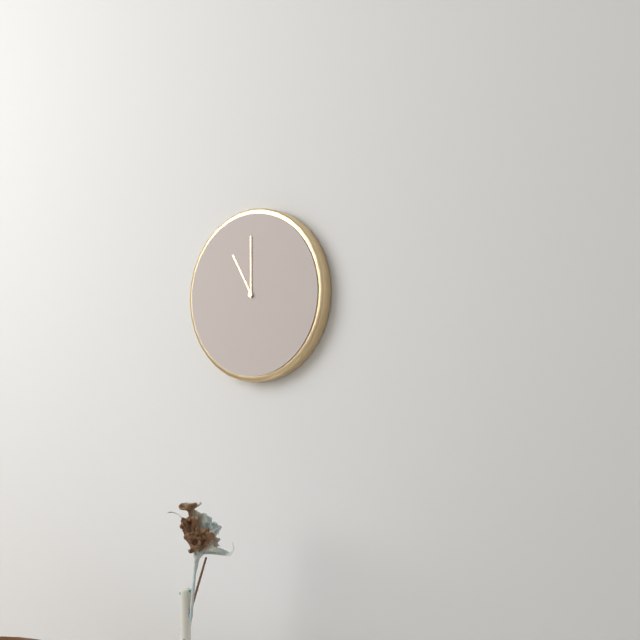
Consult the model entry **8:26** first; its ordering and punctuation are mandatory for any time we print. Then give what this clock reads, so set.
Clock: **11:00**
